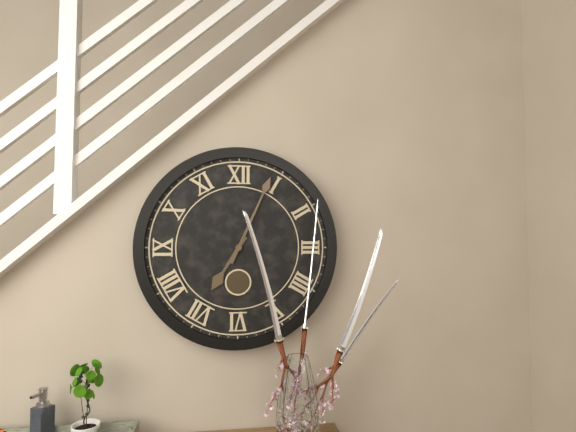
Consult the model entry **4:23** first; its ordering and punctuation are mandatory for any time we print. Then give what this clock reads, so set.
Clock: **7:04**
